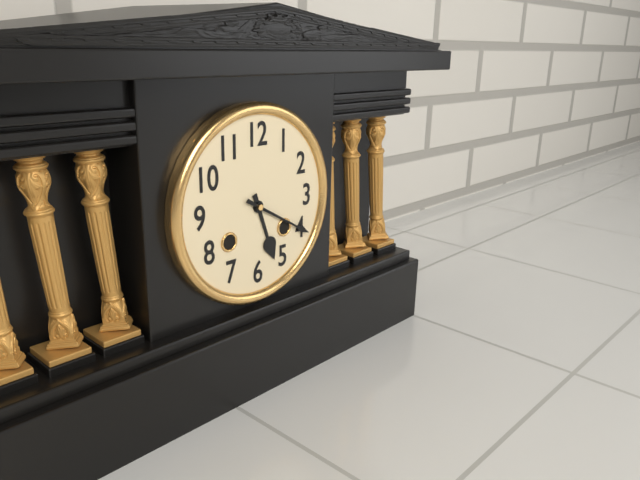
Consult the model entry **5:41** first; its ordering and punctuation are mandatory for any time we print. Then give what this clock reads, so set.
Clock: **5:20**
